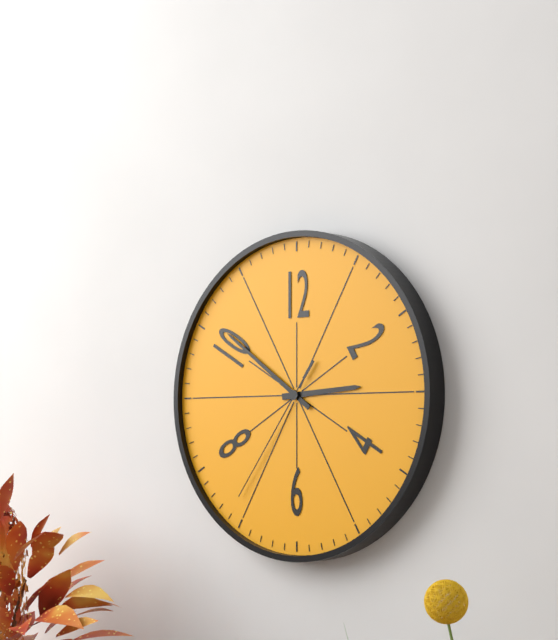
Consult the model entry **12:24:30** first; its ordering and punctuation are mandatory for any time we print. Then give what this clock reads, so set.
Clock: **2:51:36**
